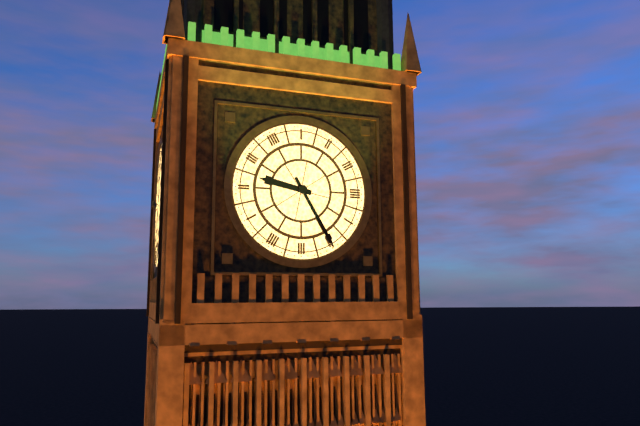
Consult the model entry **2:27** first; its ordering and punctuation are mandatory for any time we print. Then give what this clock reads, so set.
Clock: **9:25**
